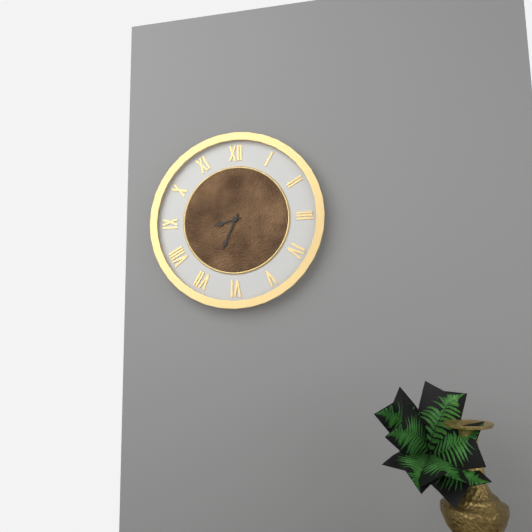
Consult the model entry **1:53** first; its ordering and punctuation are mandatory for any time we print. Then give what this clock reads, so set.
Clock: **8:34**
